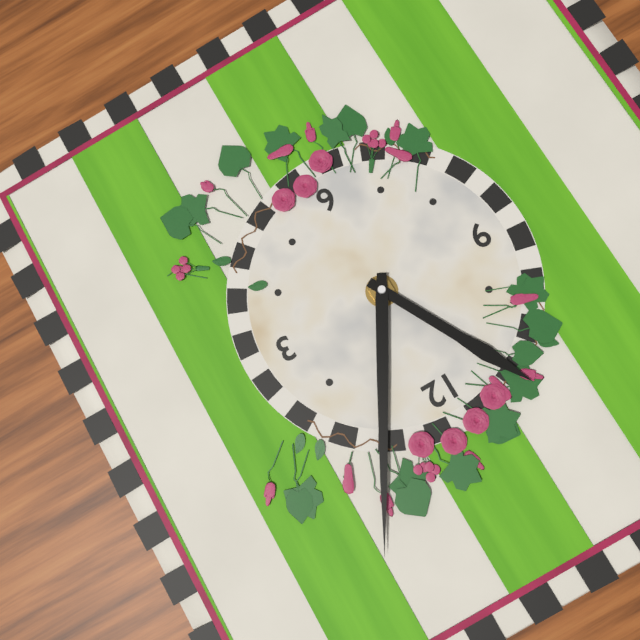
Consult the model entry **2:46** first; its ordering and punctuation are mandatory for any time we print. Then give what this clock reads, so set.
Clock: **11:05**
